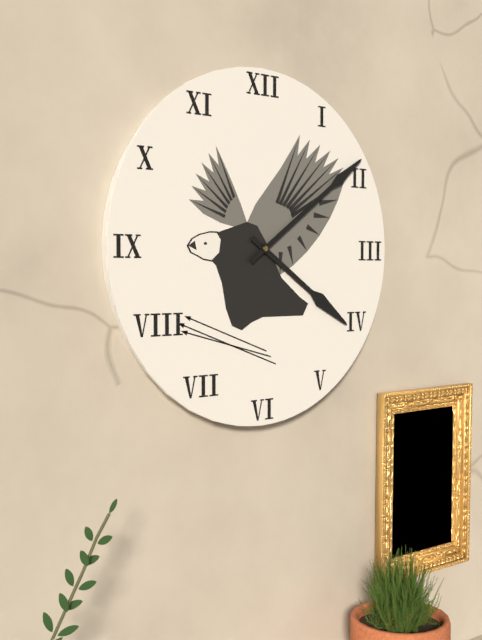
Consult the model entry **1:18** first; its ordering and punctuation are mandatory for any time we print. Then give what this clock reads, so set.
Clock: **4:09**
